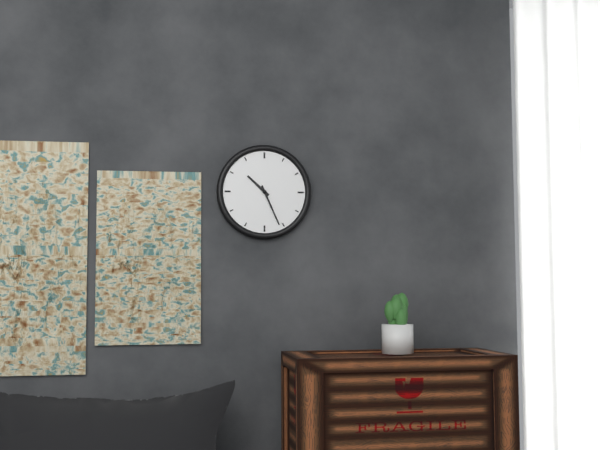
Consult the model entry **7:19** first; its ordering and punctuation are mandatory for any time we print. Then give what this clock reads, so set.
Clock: **10:26**
